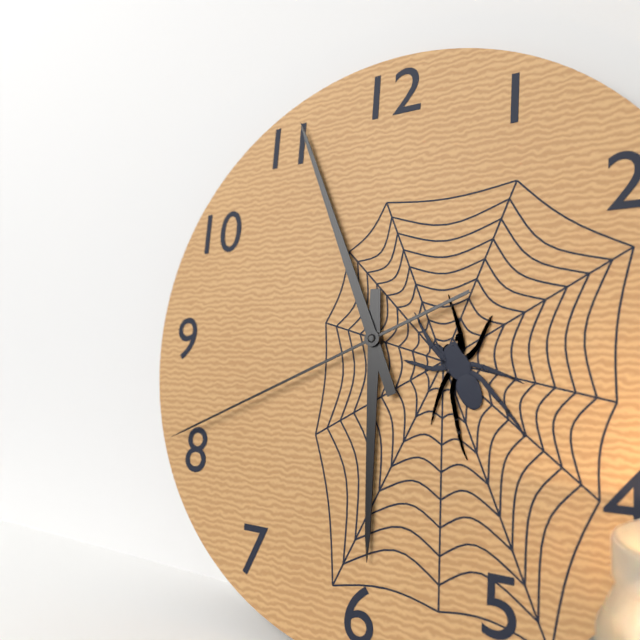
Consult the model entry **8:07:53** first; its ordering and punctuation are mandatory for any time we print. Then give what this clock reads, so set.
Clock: **5:56:41**
